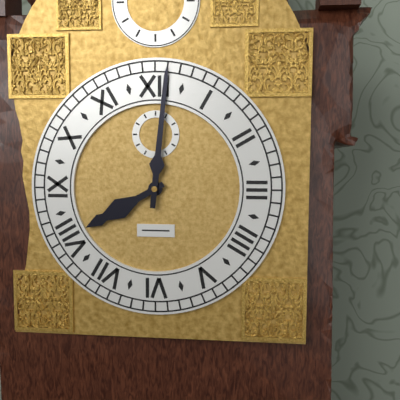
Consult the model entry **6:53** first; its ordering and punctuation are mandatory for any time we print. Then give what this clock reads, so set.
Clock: **8:01**
